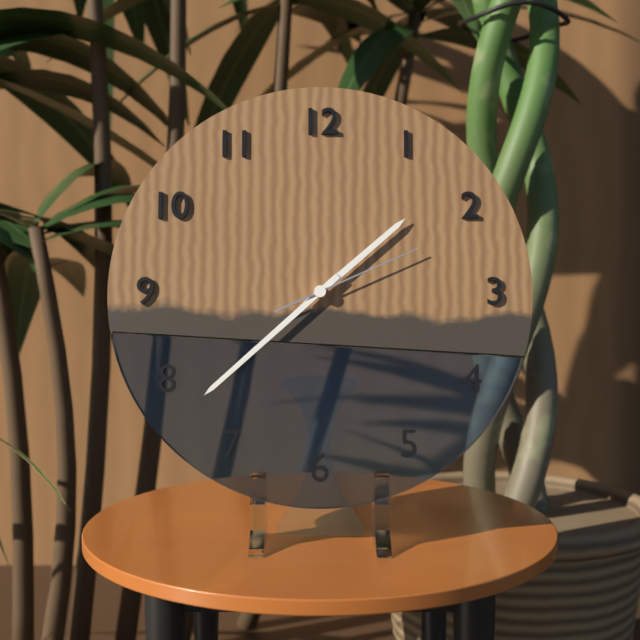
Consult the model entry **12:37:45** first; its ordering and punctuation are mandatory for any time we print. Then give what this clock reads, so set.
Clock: **1:38:11**
